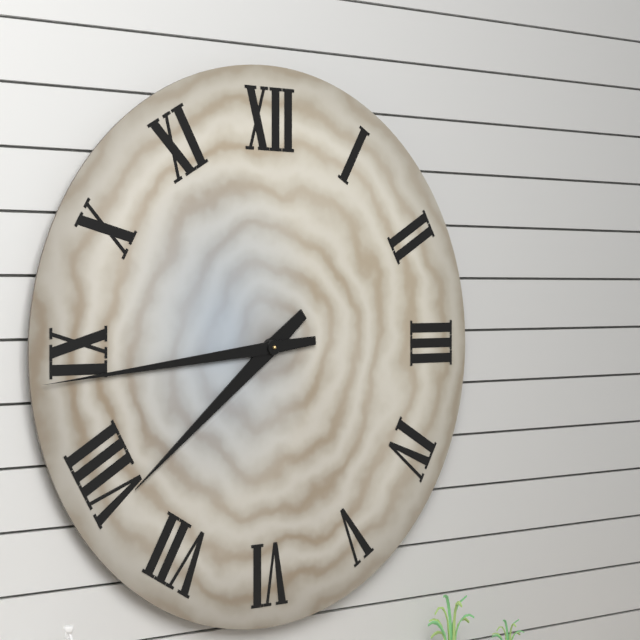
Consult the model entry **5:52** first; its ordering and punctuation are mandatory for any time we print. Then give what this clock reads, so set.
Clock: **7:44**
